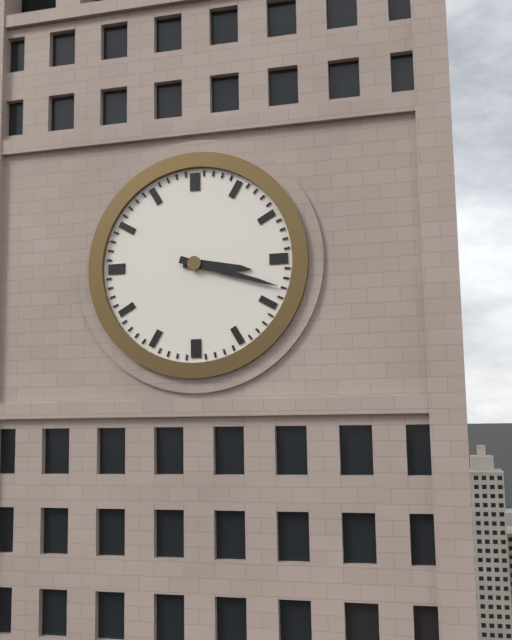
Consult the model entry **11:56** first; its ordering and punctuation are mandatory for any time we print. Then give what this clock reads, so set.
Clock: **3:18**
